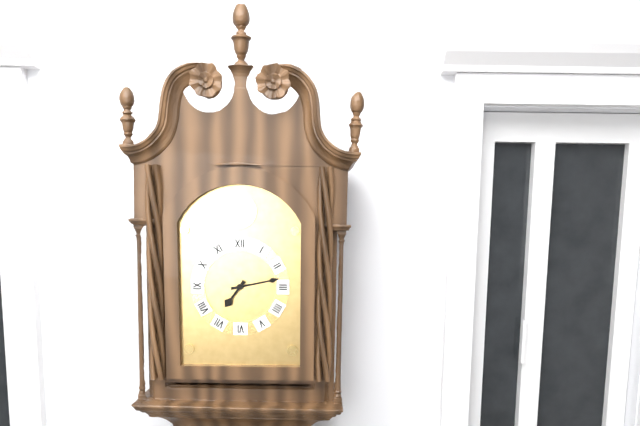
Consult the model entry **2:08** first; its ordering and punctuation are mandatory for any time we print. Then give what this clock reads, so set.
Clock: **7:13**
